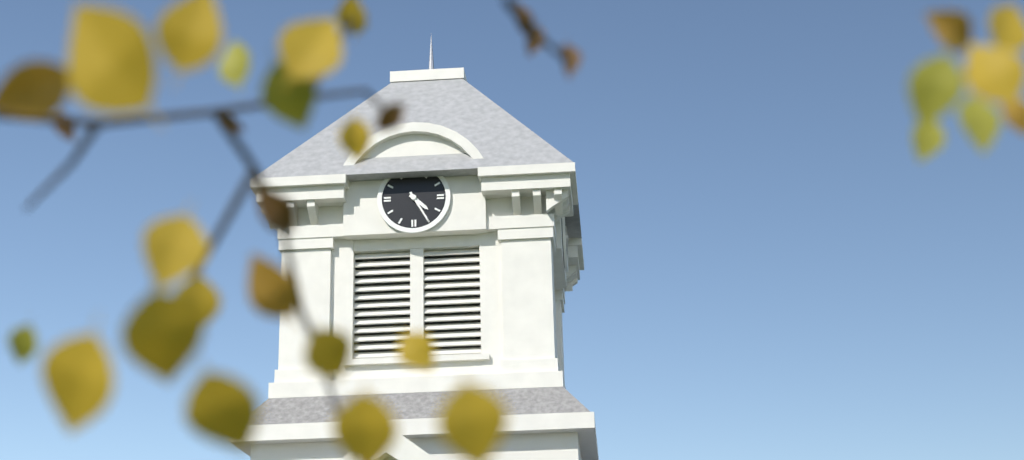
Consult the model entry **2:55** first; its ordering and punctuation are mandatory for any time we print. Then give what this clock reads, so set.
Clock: **4:25**
